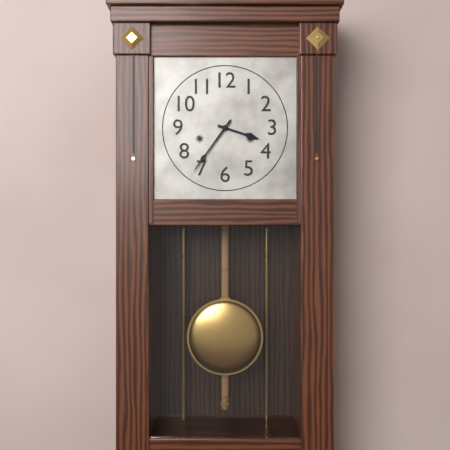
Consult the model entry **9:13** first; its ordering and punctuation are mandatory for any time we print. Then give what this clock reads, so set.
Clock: **3:36**
